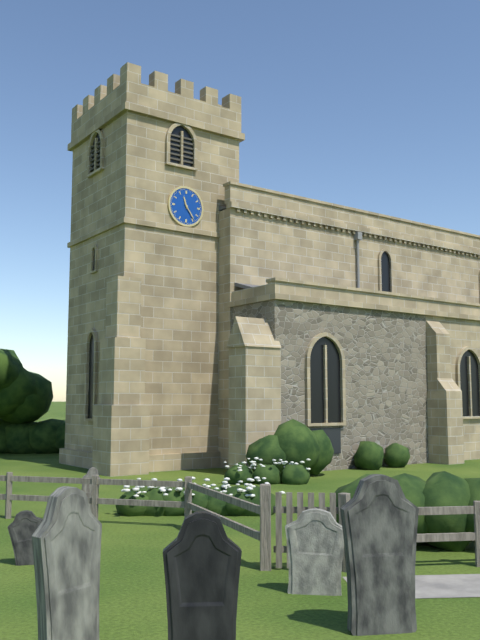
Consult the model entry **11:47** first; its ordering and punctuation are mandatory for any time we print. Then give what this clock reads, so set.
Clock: **11:24**
